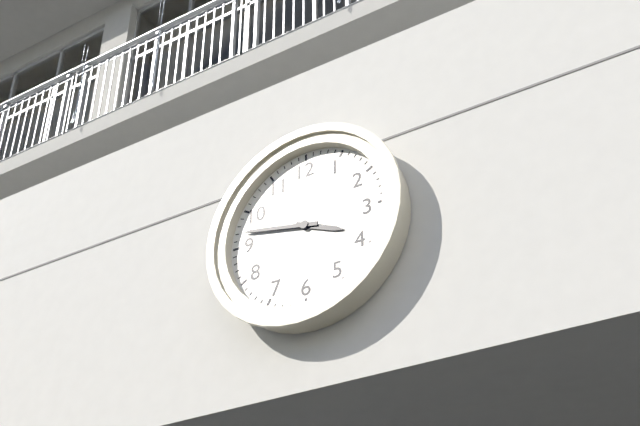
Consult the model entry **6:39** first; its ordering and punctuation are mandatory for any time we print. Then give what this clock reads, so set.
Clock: **3:47**
